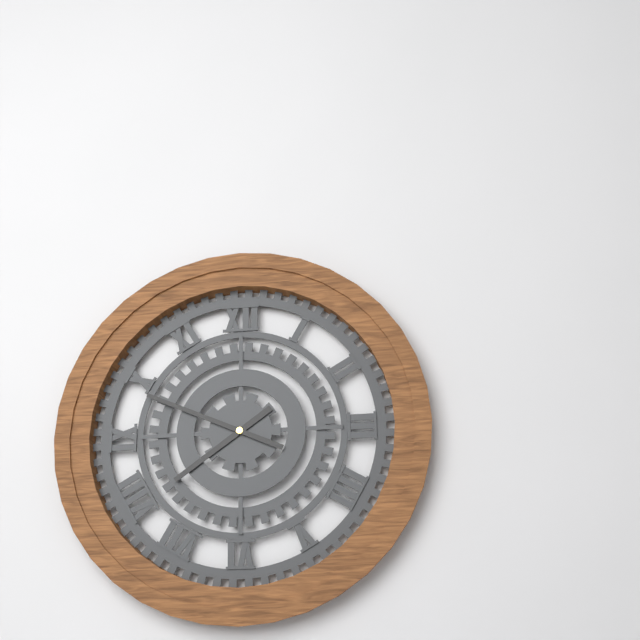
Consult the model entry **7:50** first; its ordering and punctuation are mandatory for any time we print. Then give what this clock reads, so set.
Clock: **7:49**
